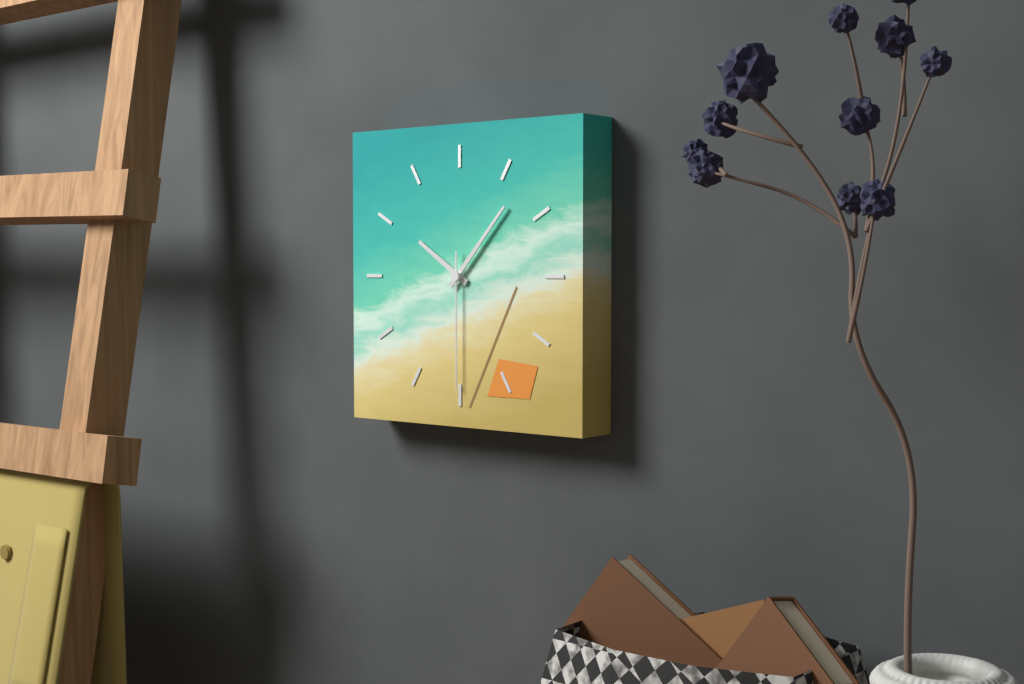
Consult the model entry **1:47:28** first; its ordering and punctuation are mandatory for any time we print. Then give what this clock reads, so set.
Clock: **10:07:30**
